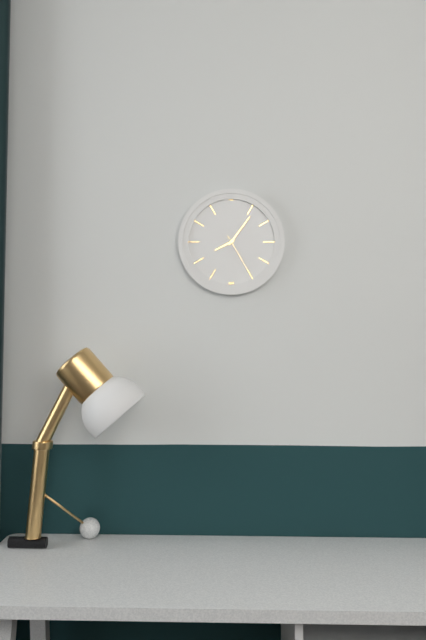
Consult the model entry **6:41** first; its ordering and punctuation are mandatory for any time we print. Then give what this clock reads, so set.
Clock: **8:06**
